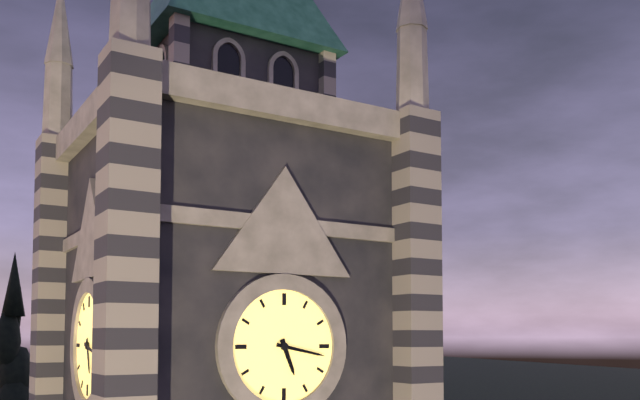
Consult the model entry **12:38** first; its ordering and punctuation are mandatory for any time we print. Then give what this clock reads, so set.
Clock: **5:17**
